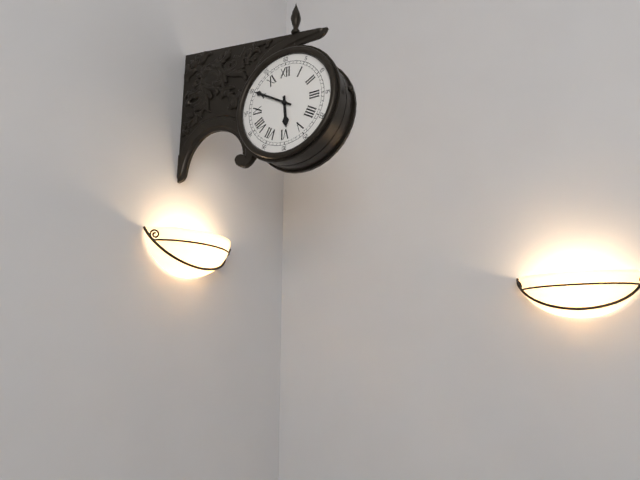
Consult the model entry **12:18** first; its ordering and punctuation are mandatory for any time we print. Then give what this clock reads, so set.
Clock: **5:50**
